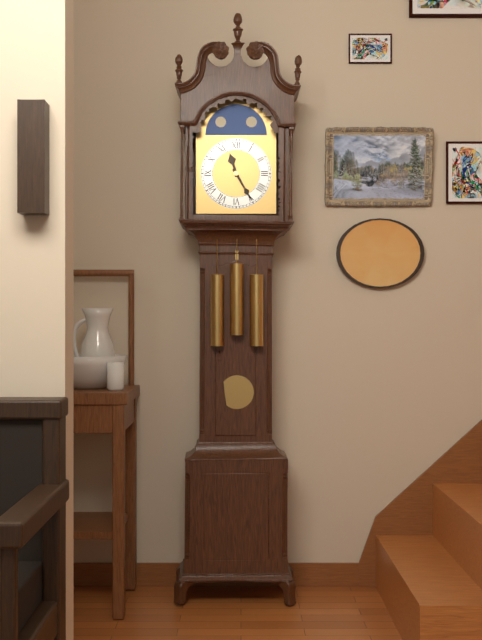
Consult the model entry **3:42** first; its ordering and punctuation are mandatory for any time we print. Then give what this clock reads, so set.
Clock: **11:25**
